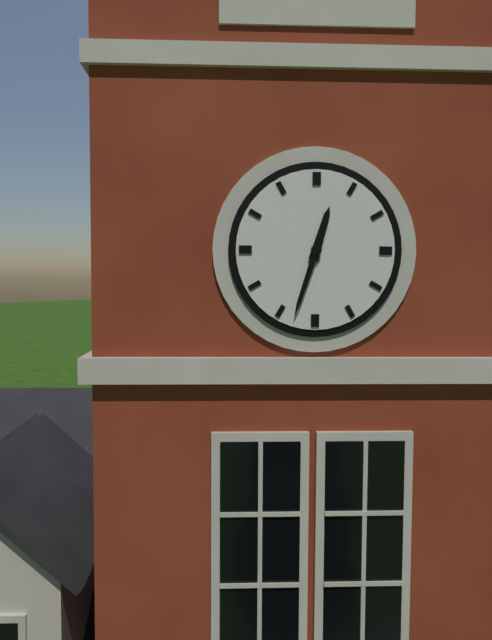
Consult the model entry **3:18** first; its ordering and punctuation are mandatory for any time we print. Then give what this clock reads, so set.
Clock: **12:33**
